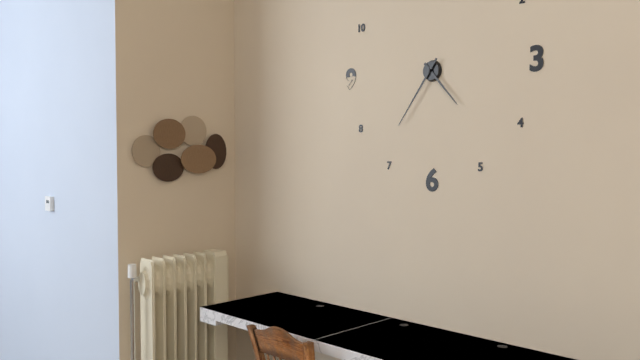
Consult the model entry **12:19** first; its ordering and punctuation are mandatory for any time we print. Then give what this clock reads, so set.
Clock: **4:36**
